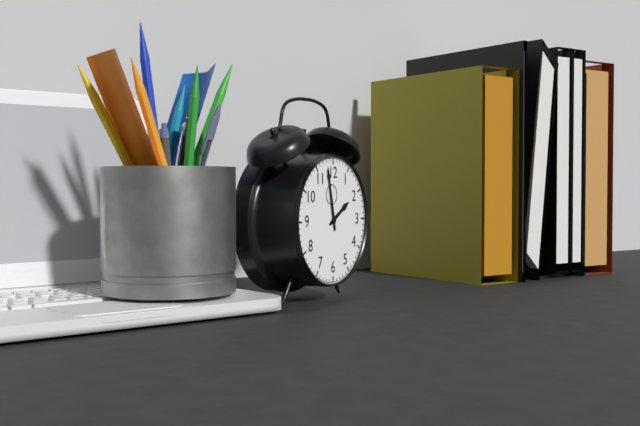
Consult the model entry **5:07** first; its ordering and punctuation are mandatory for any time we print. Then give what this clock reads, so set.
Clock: **1:58**
